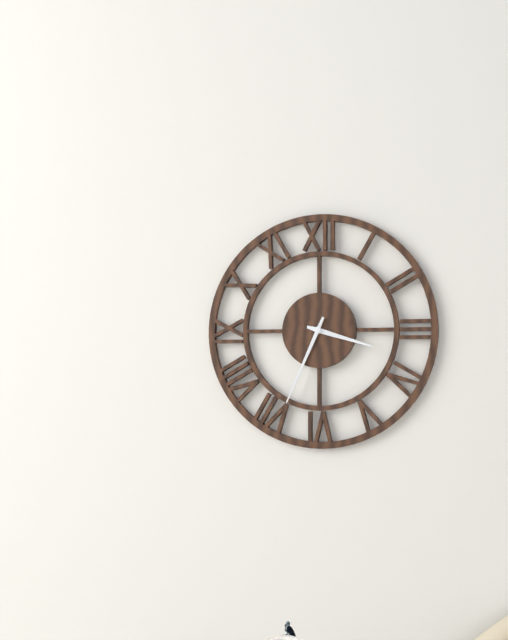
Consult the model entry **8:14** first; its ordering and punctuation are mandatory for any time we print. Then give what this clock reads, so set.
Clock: **3:34**
